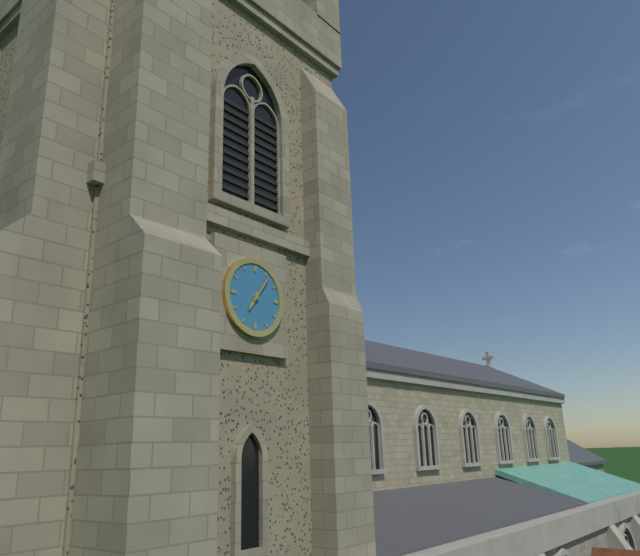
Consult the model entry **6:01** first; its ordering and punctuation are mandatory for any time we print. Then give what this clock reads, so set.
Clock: **7:06**
